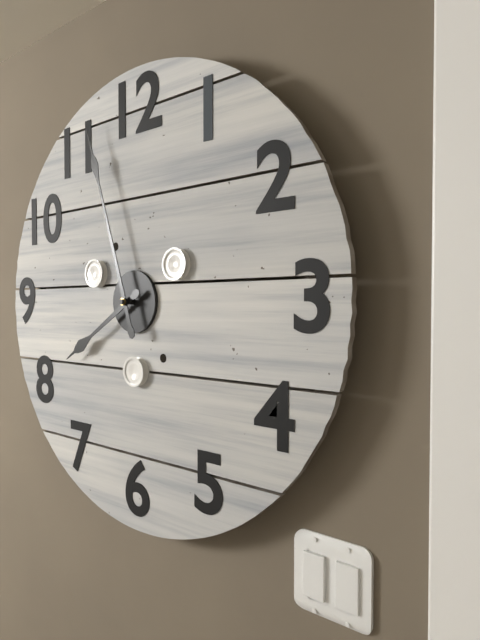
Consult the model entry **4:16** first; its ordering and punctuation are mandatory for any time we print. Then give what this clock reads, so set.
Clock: **7:57**
